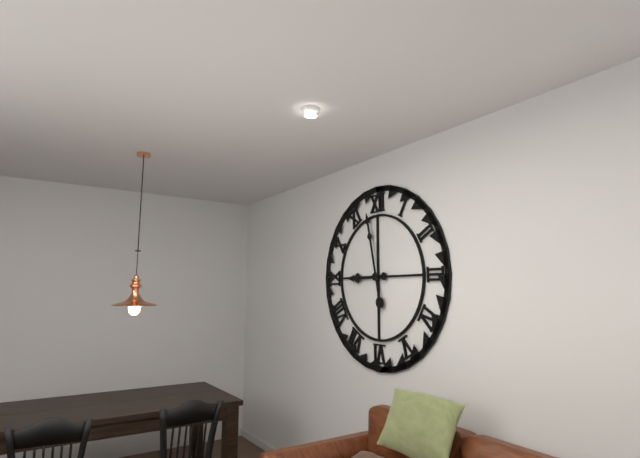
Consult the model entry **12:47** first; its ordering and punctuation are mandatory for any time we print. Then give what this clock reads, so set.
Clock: **8:58**
